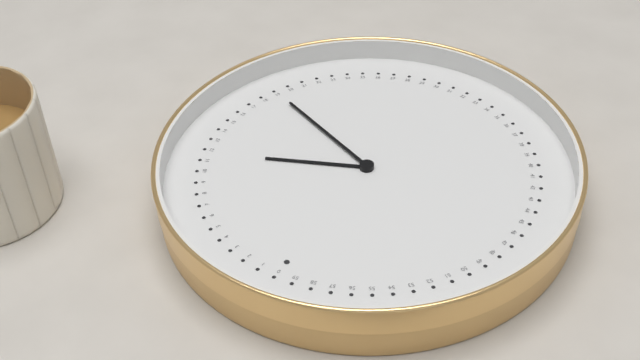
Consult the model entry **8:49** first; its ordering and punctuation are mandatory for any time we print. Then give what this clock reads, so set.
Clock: **2:19**
